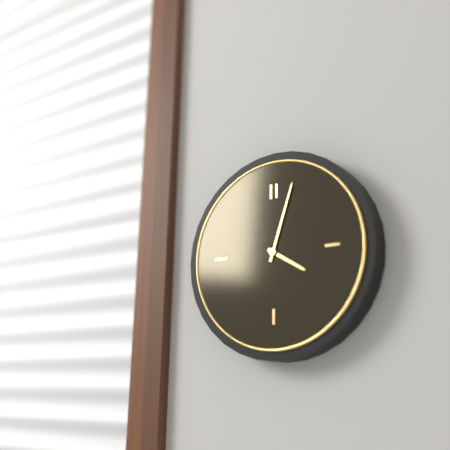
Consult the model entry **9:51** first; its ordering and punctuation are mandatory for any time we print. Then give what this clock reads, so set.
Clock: **4:03**
